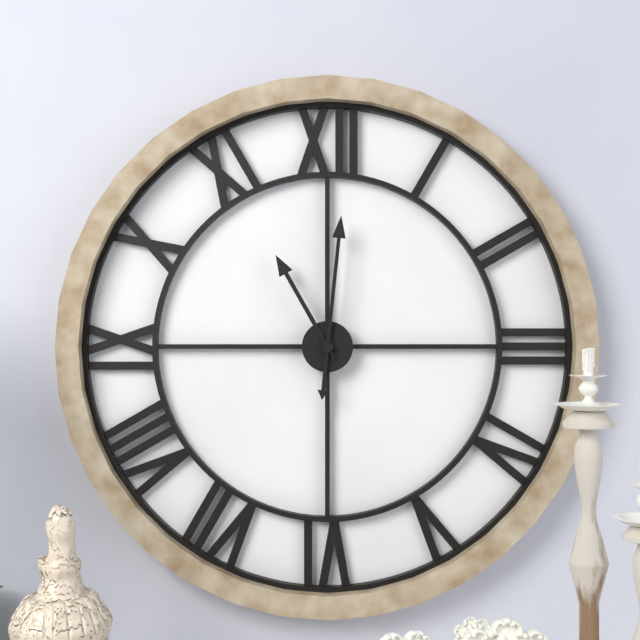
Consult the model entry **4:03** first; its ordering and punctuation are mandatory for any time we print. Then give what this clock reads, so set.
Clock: **11:01**
